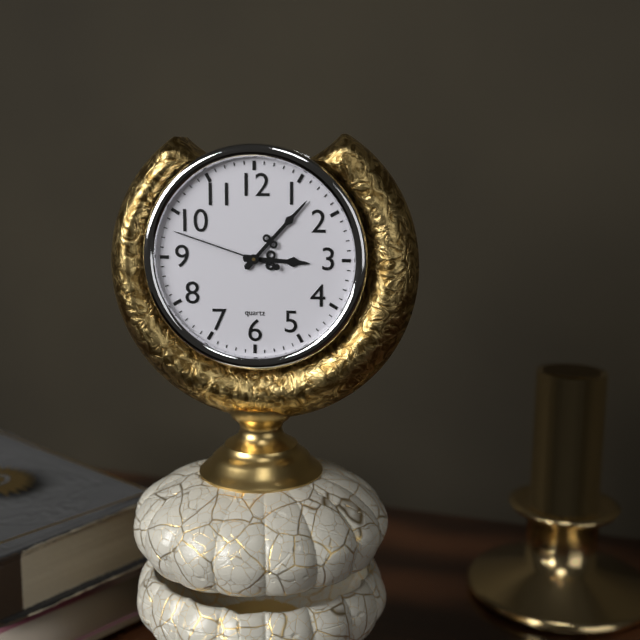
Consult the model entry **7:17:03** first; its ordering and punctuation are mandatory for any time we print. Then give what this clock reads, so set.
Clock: **3:07:48**
